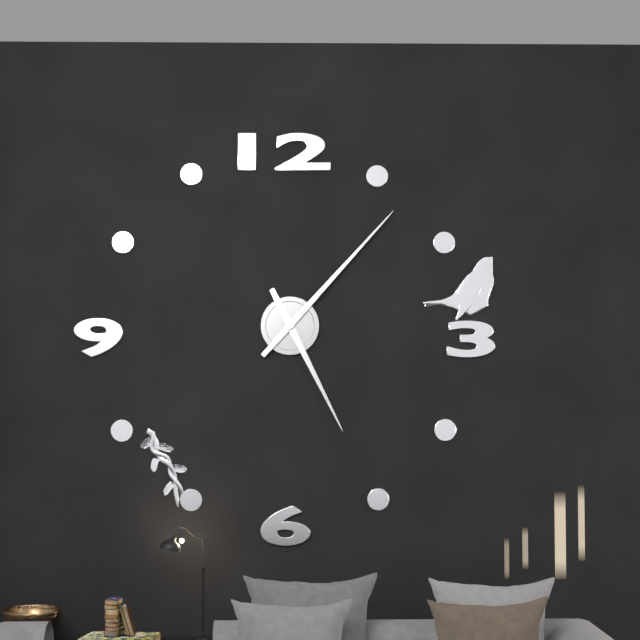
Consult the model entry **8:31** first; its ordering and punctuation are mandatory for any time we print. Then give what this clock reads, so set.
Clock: **5:07**
